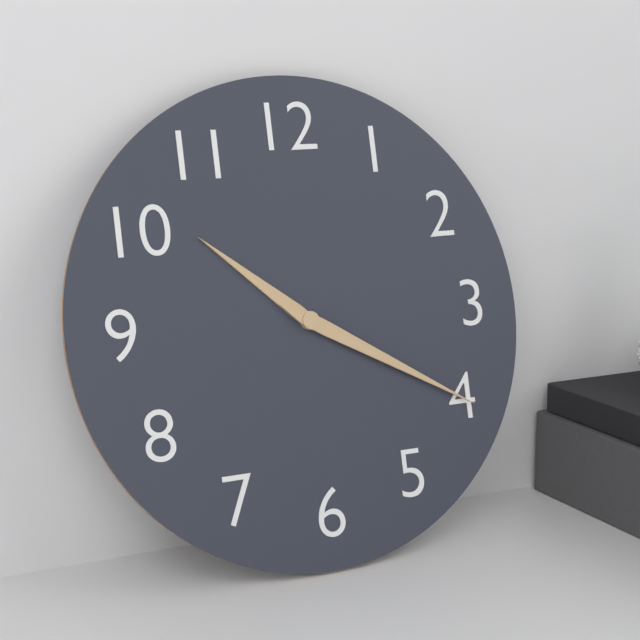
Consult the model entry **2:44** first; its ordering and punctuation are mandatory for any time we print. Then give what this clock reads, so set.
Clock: **10:20**
